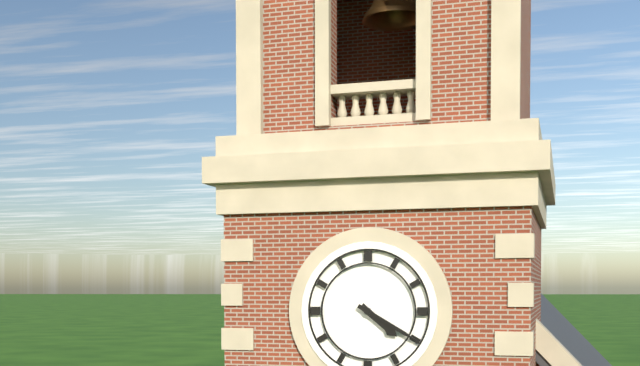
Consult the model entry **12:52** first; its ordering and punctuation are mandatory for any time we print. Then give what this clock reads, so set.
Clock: **4:20**
